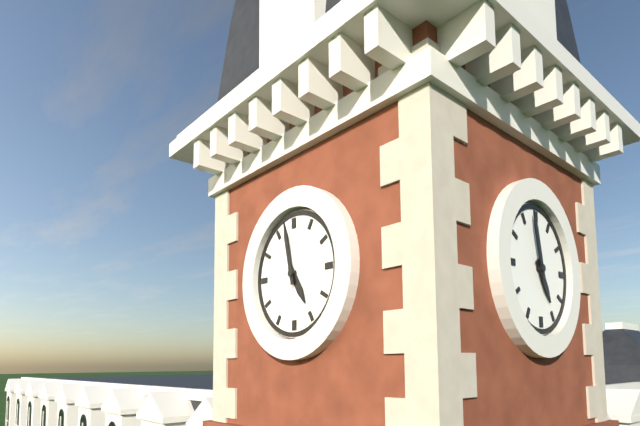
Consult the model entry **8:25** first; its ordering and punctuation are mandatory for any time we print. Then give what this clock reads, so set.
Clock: **4:58**
